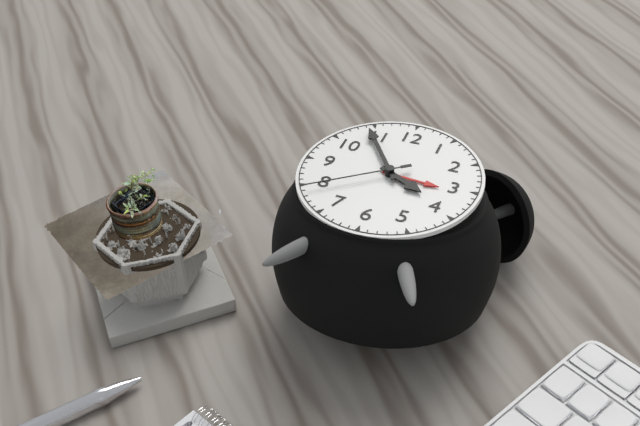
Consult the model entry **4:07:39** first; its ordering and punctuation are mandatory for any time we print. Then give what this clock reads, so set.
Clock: **3:54:39**
